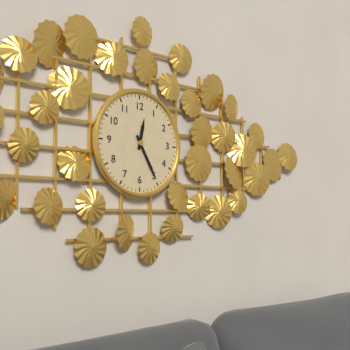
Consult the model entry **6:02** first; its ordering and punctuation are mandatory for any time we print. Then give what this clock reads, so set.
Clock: **12:25**
